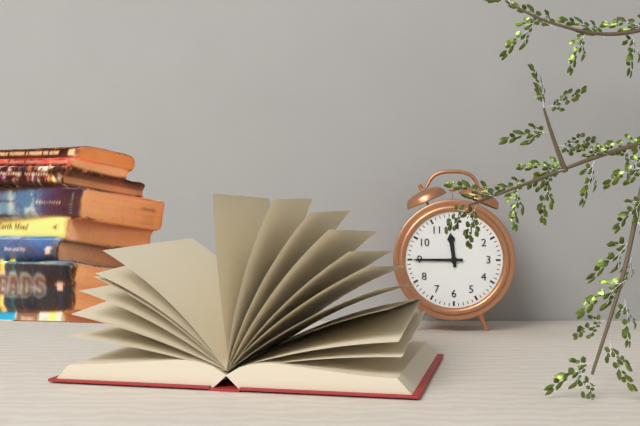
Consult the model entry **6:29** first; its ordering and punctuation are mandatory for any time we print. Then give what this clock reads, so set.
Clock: **11:45**
